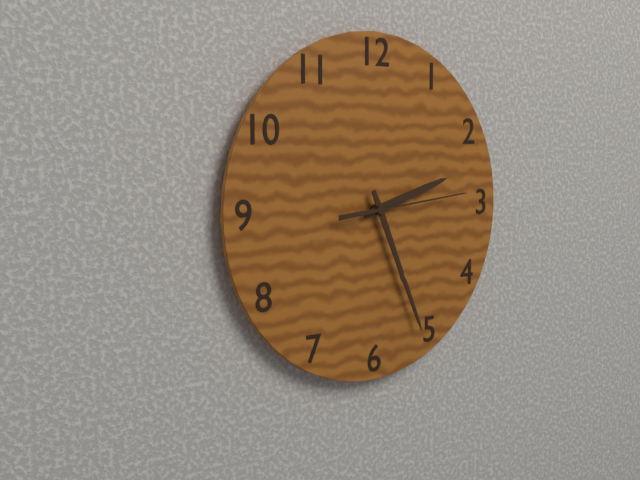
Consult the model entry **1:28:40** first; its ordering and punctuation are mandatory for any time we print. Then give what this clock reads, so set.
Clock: **2:26:14**
